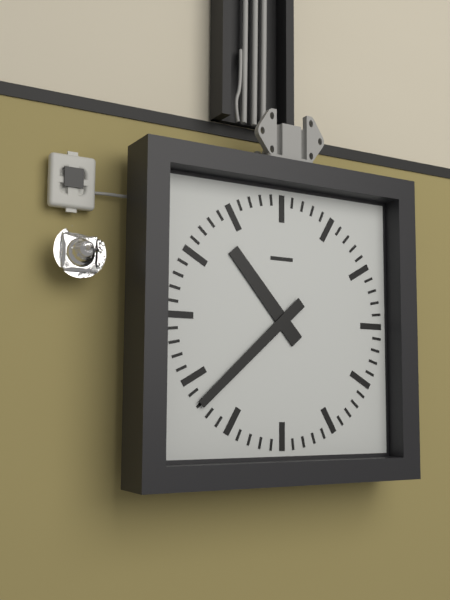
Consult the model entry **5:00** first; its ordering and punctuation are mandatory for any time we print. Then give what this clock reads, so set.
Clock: **10:38**
